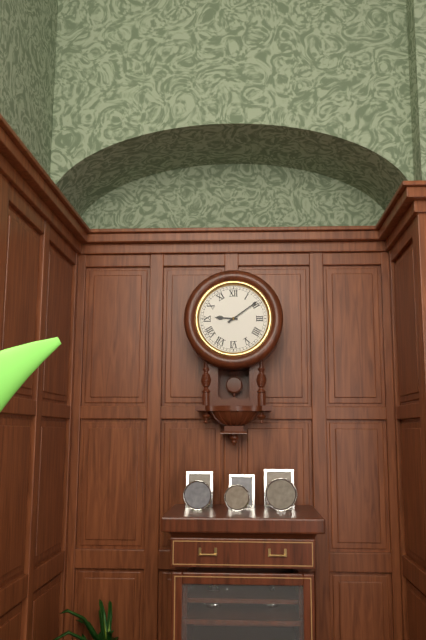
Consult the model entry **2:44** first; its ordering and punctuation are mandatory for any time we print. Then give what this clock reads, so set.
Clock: **9:09**
